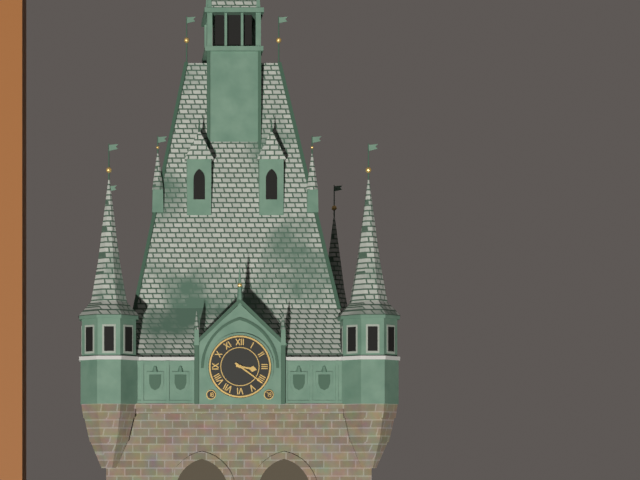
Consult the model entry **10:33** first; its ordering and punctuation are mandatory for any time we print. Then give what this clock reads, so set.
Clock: **3:21**
